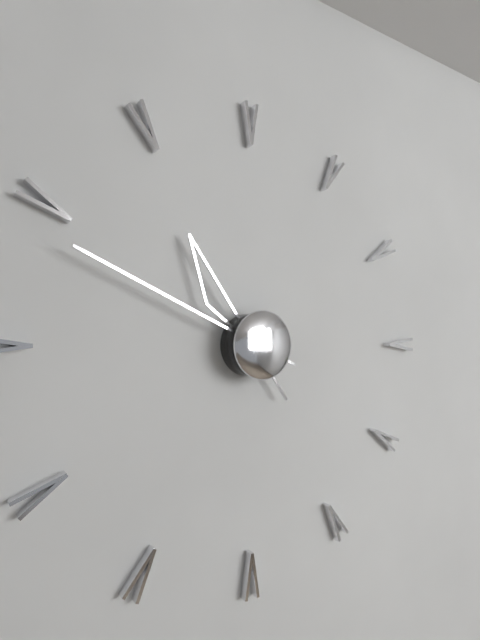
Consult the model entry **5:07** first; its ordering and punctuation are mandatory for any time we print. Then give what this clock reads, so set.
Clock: **10:49**
